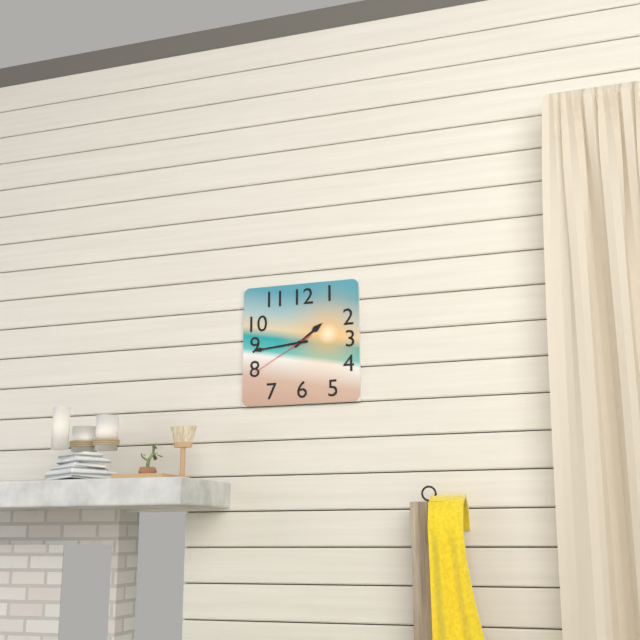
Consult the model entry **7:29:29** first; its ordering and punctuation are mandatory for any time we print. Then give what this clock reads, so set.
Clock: **1:44:40**
